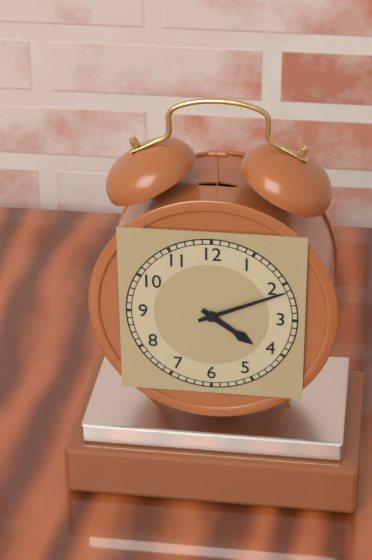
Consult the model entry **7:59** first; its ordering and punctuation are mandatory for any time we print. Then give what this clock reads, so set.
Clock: **4:11**
